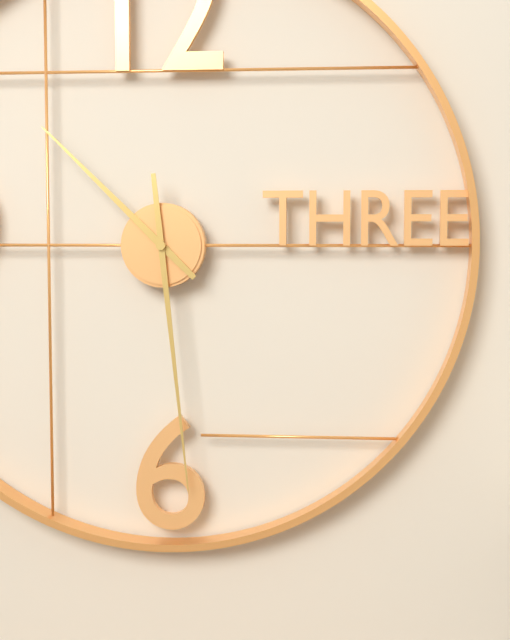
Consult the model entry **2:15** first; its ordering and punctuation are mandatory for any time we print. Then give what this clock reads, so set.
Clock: **10:29**
